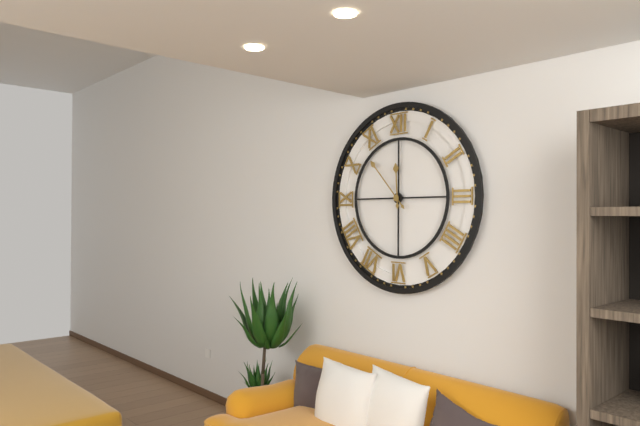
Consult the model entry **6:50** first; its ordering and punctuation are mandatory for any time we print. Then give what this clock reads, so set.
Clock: **11:53**
